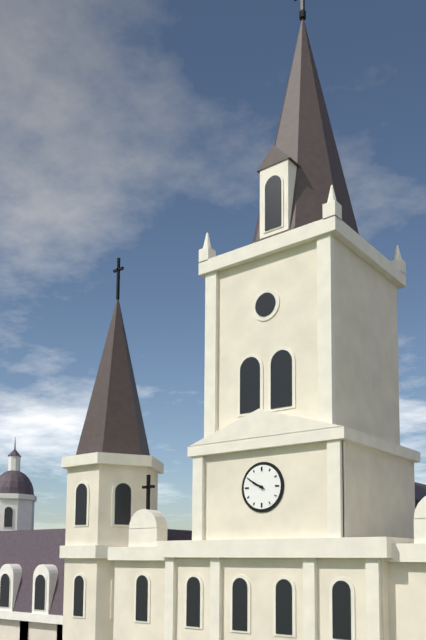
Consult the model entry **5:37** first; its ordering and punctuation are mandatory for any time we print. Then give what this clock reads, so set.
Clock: **9:50**
